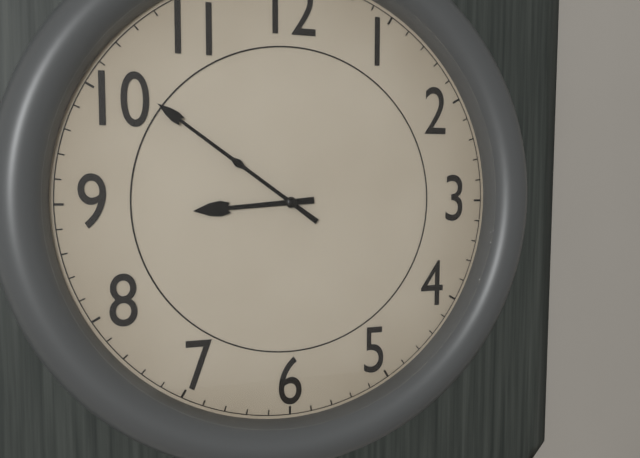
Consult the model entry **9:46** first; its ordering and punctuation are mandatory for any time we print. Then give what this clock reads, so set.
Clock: **8:51**
